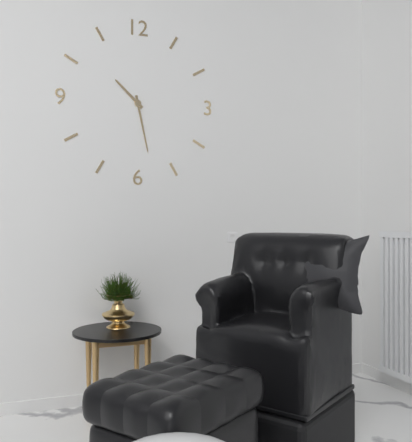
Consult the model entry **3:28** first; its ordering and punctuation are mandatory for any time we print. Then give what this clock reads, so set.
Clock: **10:28**
